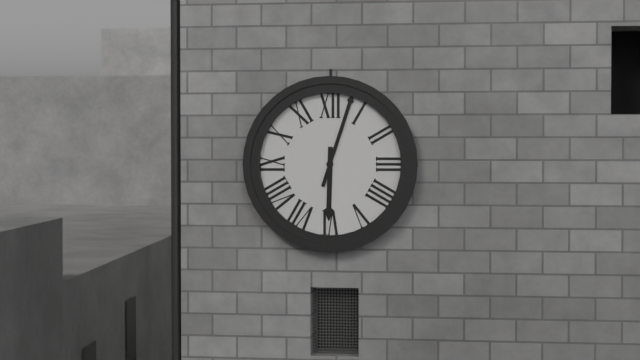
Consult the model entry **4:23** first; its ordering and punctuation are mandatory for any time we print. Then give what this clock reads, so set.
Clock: **6:03**
